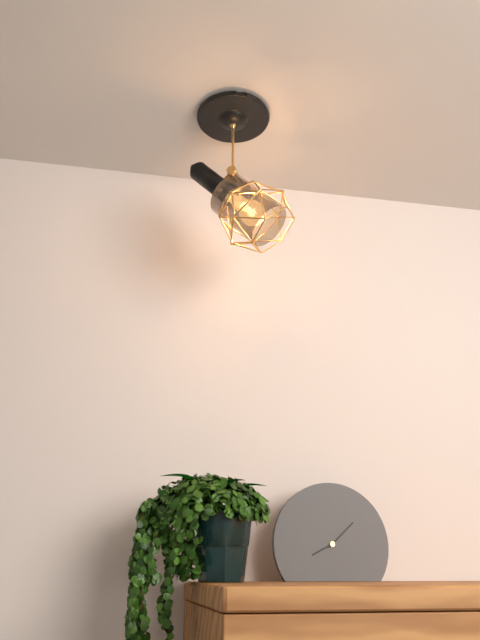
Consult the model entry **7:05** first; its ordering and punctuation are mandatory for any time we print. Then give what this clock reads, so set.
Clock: **8:08**
